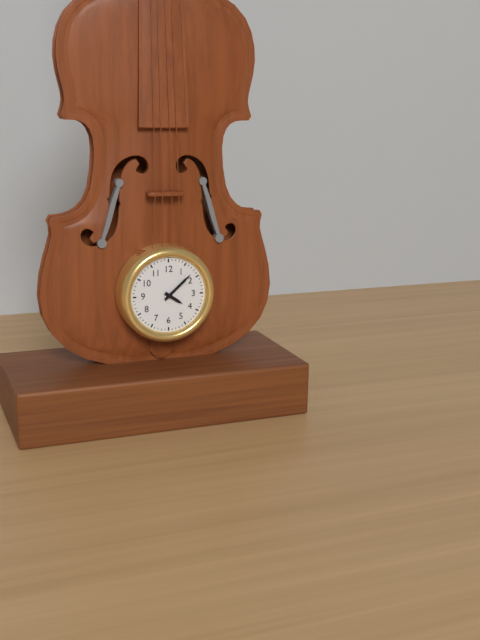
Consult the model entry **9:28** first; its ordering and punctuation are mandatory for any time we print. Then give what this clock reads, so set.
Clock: **4:08**
